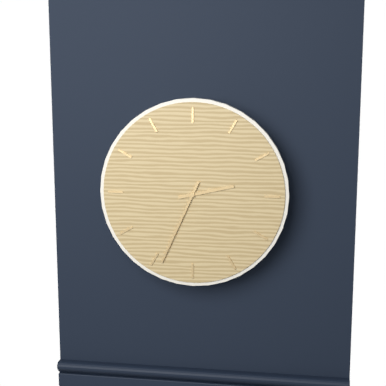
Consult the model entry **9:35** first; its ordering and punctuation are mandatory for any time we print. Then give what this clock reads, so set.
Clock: **2:34**
